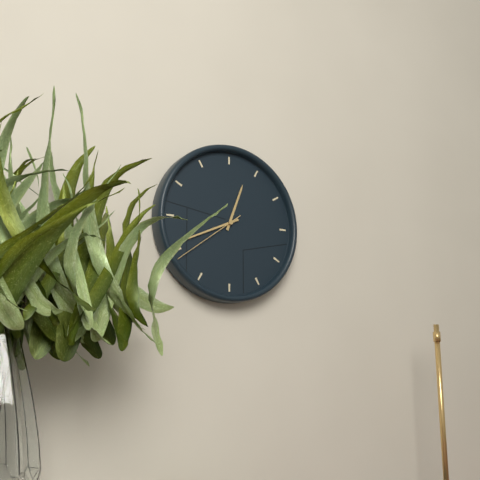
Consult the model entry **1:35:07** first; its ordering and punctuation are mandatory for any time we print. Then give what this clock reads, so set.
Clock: **12:41:39**
